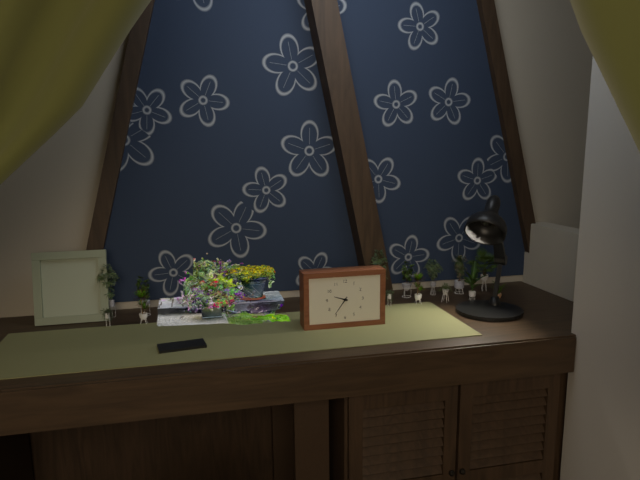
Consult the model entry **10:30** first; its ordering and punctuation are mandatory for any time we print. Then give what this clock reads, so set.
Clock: **9:36**
